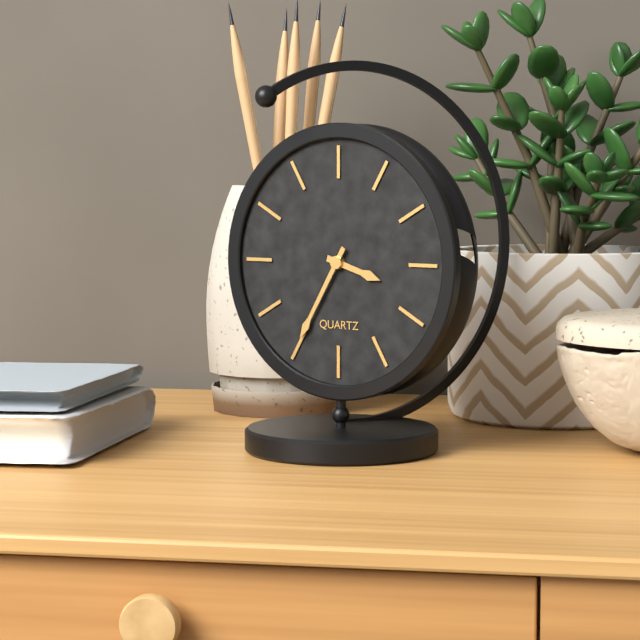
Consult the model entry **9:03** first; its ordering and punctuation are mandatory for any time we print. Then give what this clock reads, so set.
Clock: **3:35**
